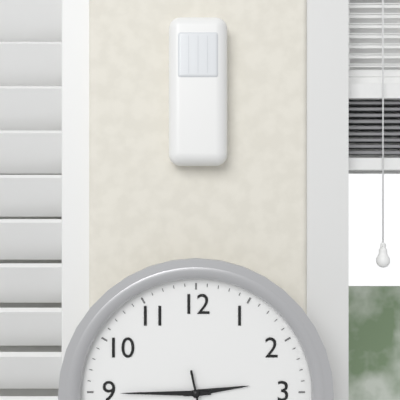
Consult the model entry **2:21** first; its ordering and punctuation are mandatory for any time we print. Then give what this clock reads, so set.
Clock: **2:45**
